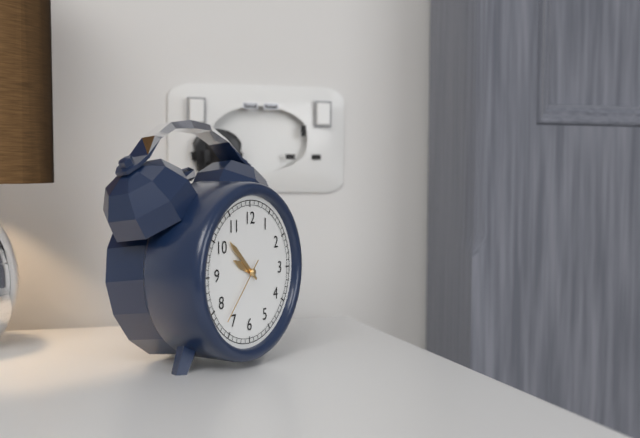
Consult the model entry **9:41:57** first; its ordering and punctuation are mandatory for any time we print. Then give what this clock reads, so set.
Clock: **9:52:37**
